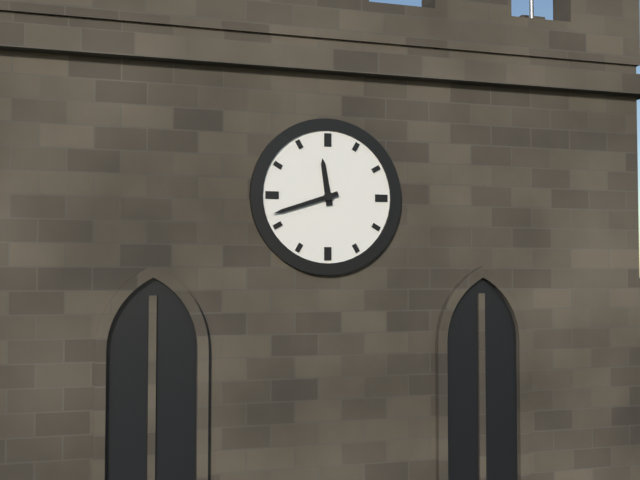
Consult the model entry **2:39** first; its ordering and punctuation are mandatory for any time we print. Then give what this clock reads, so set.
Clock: **11:42**
